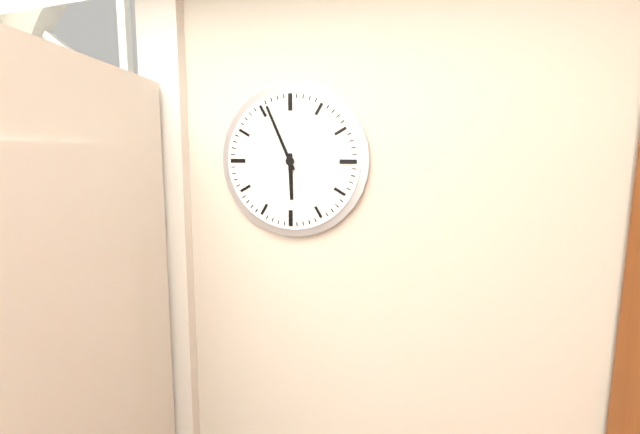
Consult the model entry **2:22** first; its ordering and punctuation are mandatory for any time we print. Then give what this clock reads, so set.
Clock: **5:56**
